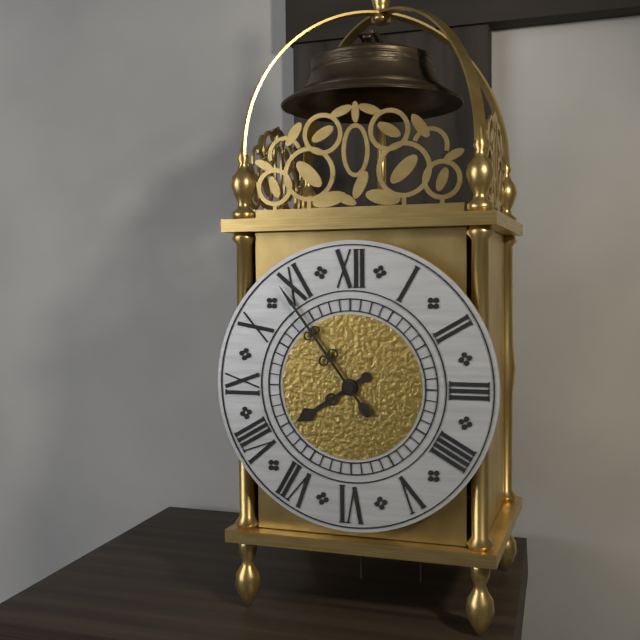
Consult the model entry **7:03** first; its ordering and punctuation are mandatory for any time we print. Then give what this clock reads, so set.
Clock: **7:54**
